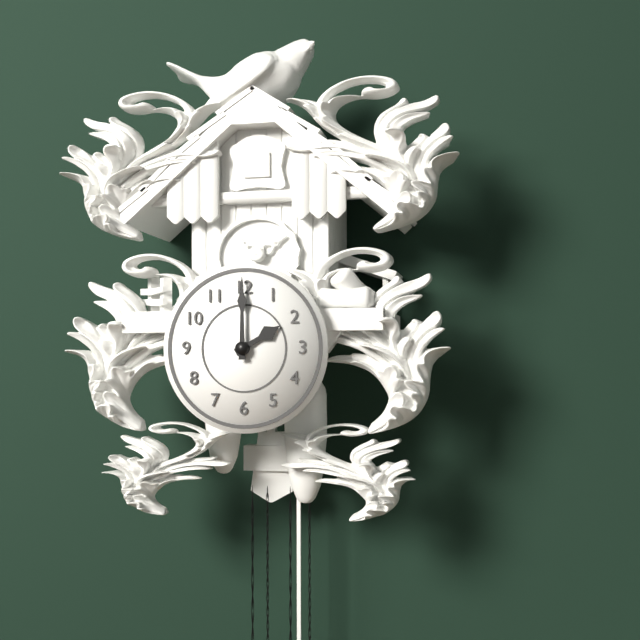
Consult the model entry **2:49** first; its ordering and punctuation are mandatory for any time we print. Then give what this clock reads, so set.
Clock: **2:00**
